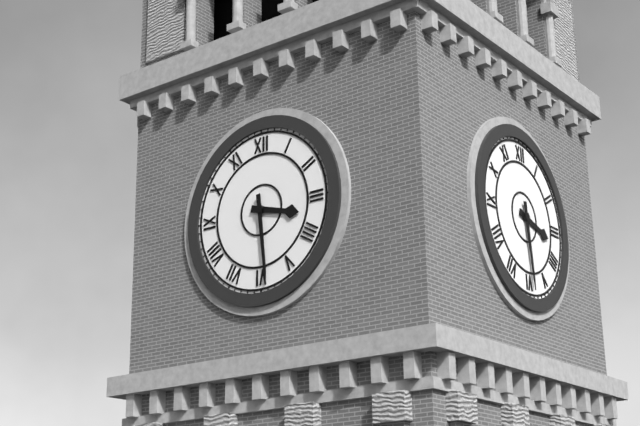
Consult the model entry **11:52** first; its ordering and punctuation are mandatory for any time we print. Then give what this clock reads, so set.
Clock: **3:29**
